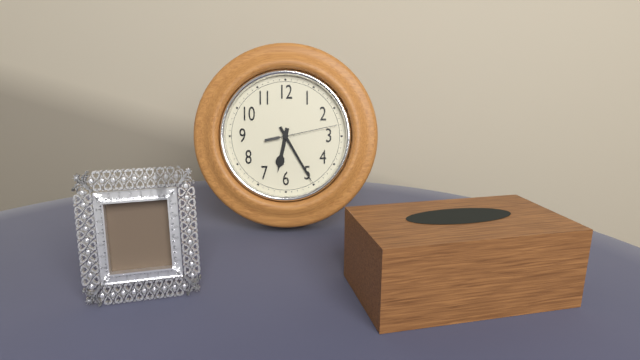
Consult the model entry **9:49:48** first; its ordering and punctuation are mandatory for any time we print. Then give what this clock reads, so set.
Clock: **6:25:13**
